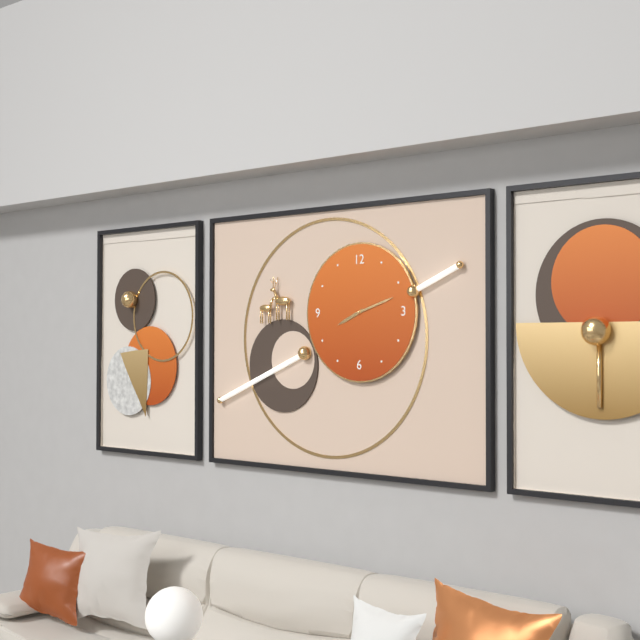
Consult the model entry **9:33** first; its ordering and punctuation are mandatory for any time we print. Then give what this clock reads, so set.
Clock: **8:12**
